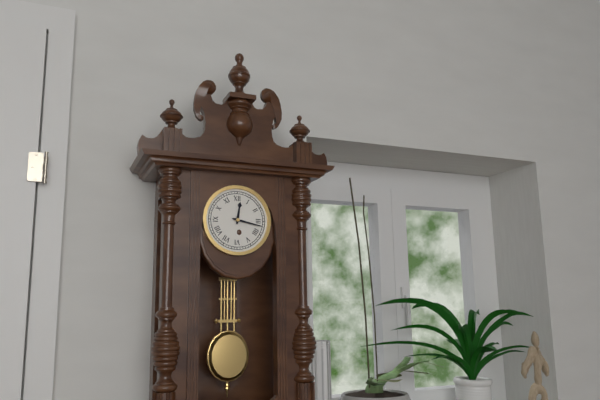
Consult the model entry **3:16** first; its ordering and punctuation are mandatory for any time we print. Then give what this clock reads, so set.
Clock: **12:17**
